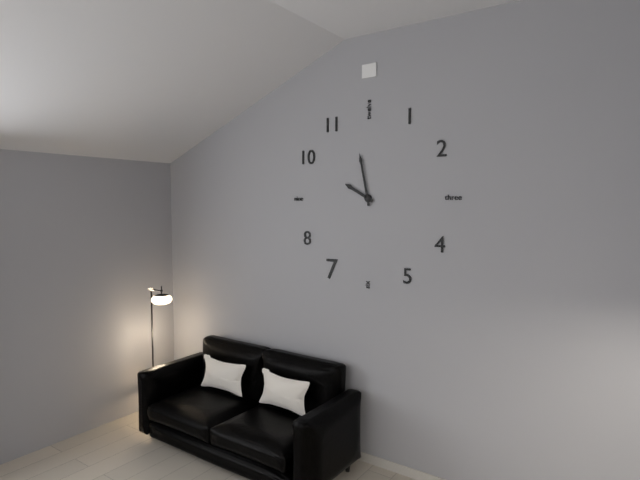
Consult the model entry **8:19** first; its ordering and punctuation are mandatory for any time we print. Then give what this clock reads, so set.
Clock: **9:58**
